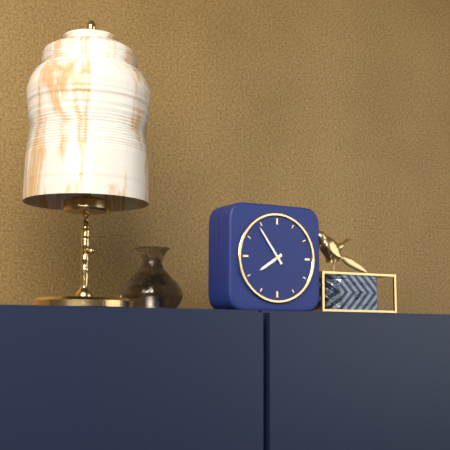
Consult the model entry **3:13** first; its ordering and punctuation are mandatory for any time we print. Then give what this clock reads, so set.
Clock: **7:54**
